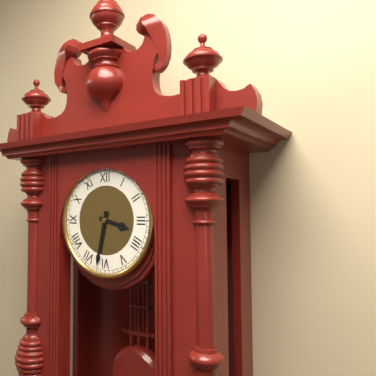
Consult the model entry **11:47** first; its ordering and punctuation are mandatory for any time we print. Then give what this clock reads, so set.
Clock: **3:32**
